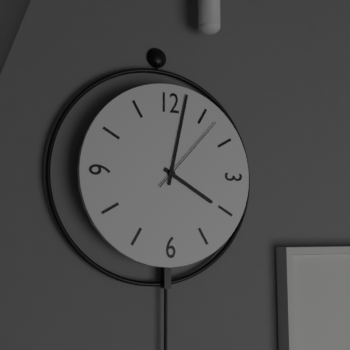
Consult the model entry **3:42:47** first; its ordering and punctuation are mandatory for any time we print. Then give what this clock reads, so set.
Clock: **4:02:07**
